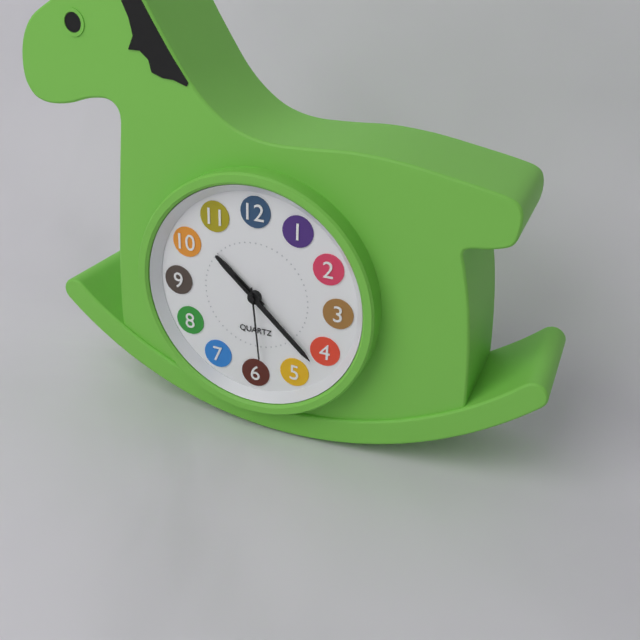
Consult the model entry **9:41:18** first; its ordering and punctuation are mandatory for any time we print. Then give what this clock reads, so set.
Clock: **10:22:29**
